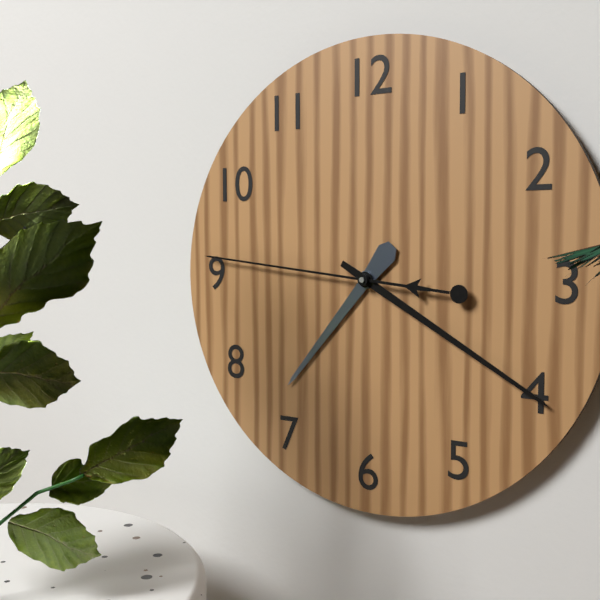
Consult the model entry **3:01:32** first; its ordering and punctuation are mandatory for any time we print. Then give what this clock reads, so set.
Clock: **7:20:46**
